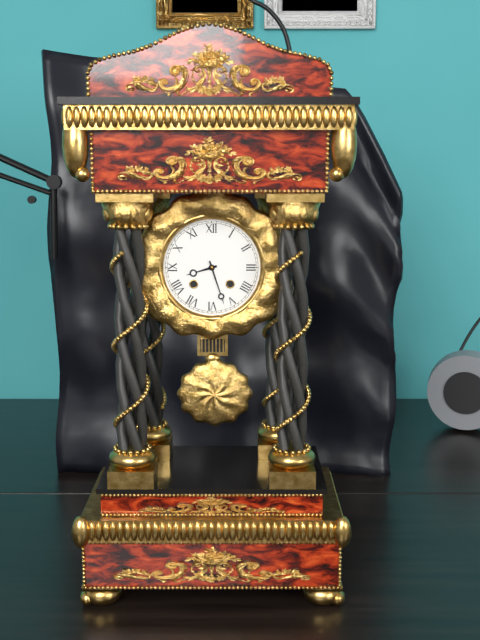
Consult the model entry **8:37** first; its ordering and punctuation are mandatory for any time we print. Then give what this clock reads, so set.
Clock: **8:27**
